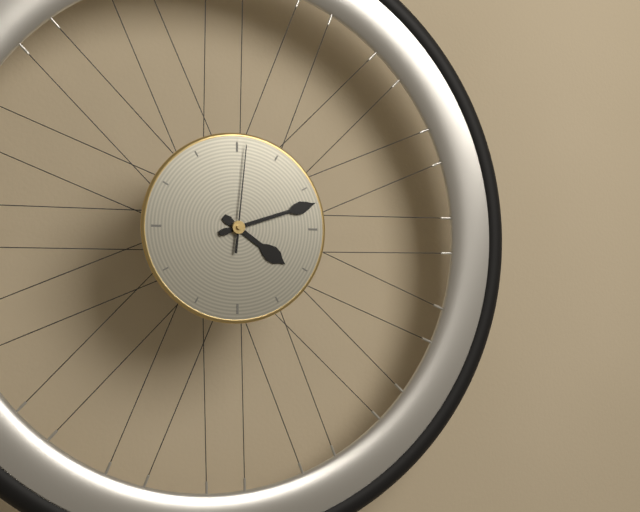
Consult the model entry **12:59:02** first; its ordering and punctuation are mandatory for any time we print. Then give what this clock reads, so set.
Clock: **4:12:01**
